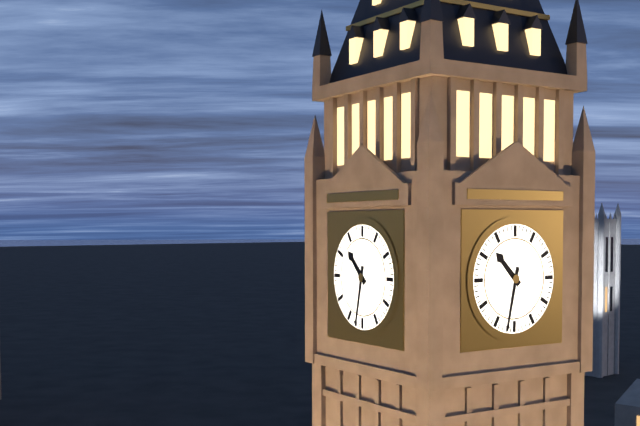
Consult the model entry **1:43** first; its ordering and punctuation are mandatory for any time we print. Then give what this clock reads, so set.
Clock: **10:32**
